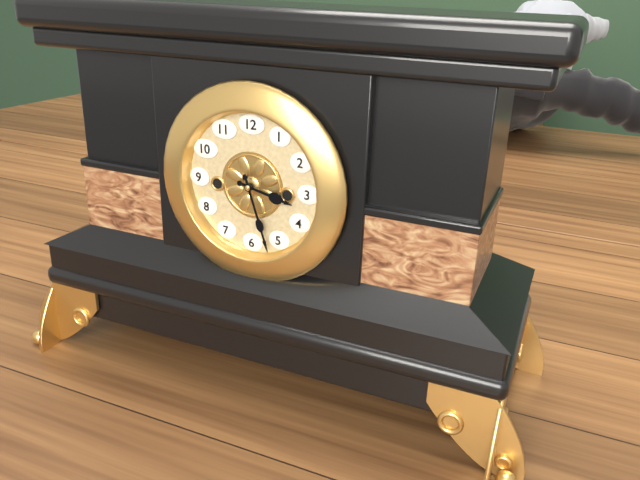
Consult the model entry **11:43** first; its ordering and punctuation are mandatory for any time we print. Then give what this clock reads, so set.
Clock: **3:27**
